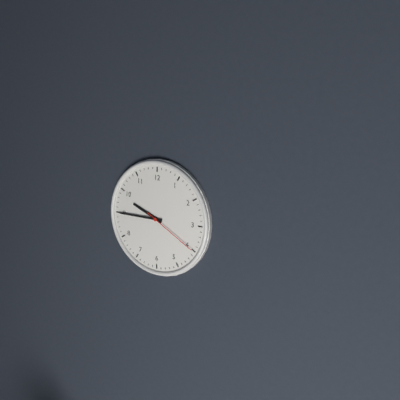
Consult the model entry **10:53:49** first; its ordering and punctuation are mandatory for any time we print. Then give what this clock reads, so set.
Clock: **9:45:20**
